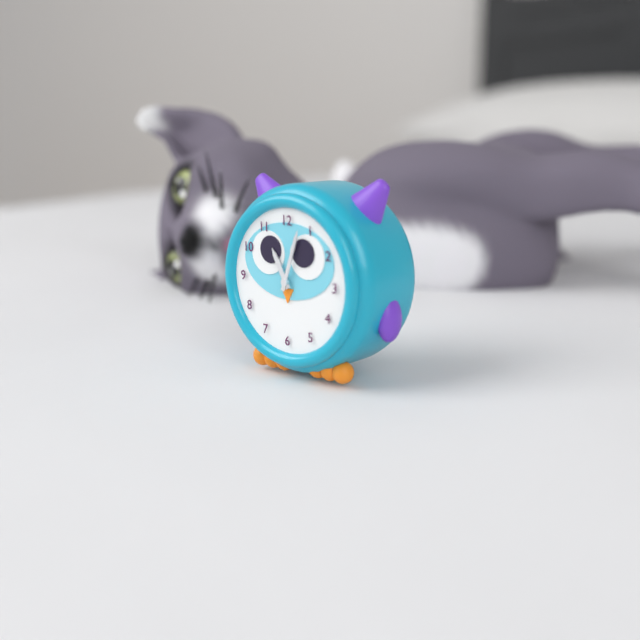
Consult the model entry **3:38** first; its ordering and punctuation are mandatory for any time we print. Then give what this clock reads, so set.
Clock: **11:03**
